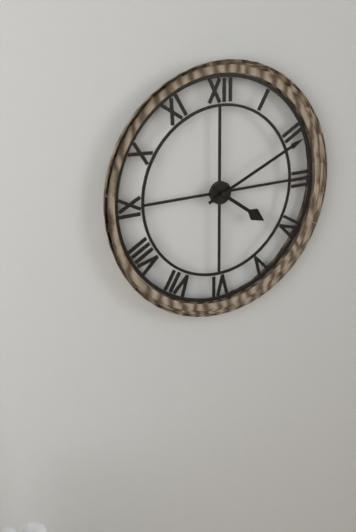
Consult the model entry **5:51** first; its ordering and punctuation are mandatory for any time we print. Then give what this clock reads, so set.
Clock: **4:11**
